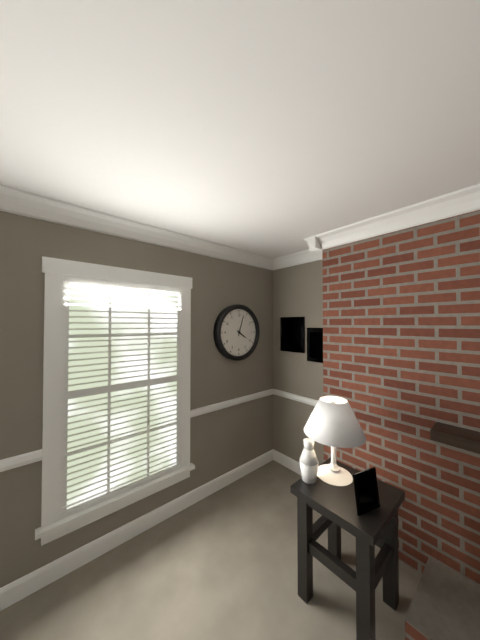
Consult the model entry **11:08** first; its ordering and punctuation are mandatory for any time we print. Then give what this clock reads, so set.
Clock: **4:03**
